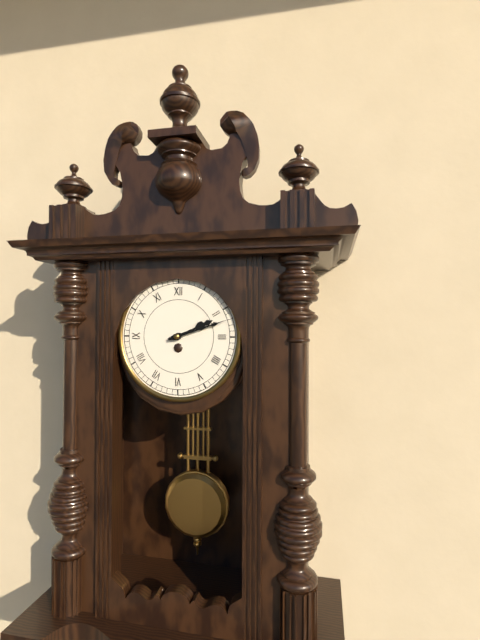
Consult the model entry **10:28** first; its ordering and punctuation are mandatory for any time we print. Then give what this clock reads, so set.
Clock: **2:12**
